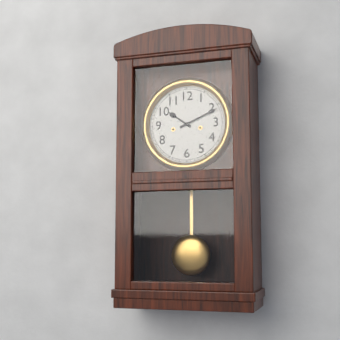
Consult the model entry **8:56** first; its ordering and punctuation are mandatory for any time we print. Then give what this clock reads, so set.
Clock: **10:11**
